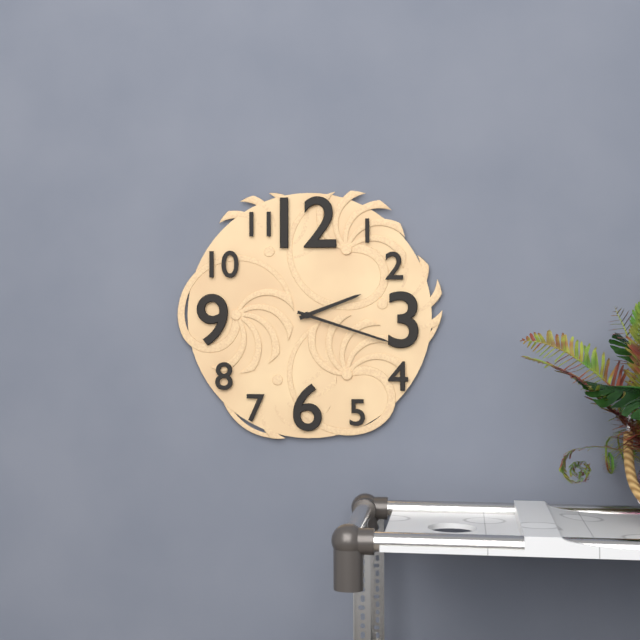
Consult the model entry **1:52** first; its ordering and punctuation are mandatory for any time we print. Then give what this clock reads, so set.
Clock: **2:18**
